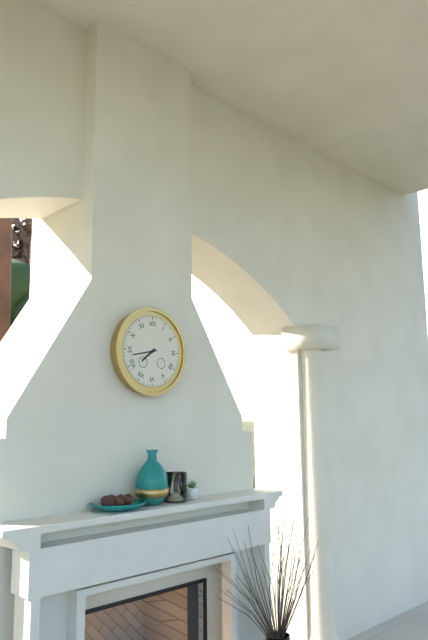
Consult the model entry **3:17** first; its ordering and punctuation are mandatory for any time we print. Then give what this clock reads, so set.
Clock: **7:43**
